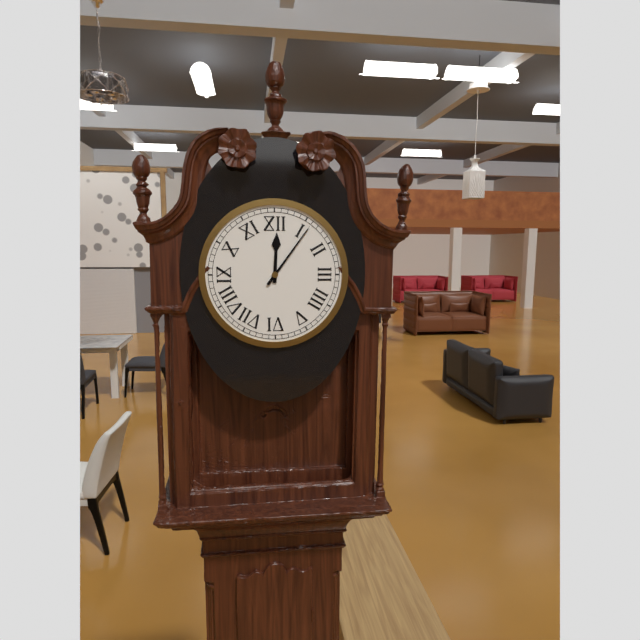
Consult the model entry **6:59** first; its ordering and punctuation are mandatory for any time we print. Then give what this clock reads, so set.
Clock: **12:06**
